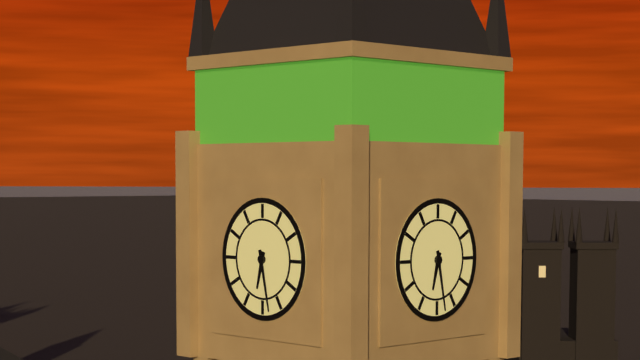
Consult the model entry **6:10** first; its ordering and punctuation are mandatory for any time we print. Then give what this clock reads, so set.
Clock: **6:28**
